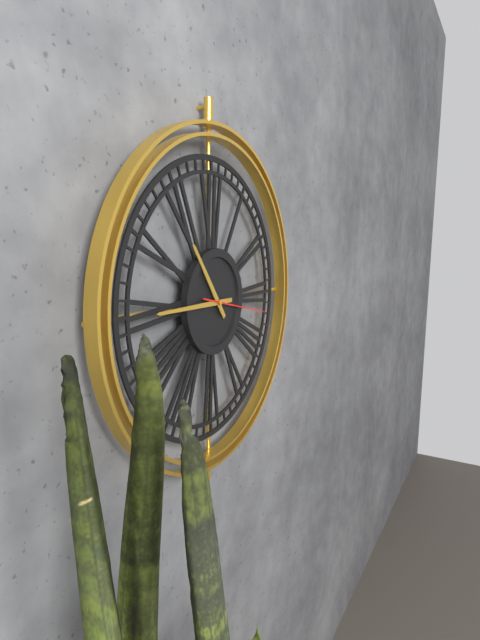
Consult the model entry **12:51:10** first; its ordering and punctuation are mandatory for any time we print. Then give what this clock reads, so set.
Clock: **10:45:17**
